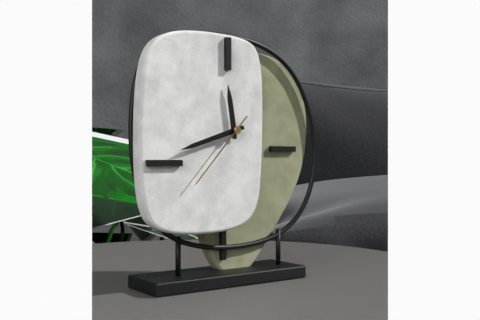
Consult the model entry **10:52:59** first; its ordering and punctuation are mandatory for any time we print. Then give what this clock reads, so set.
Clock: **11:42:37**
